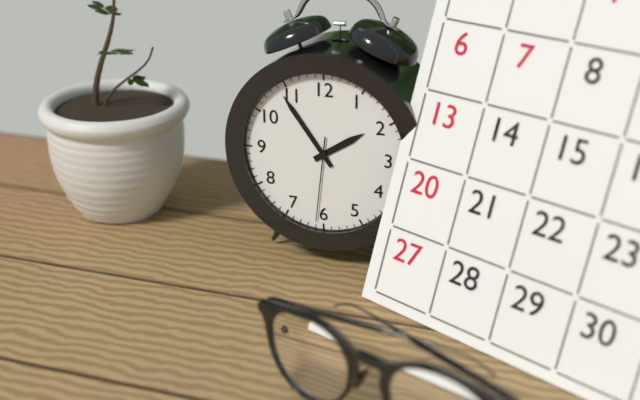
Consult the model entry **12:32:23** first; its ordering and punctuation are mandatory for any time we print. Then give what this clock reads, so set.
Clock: **1:54:31**
